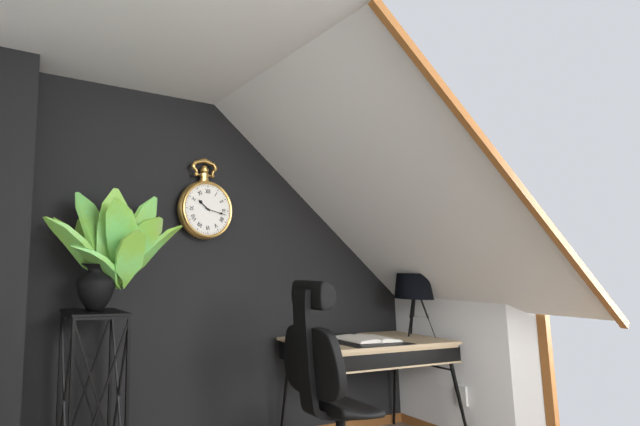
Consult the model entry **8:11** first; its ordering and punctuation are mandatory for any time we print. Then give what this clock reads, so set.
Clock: **10:17**
